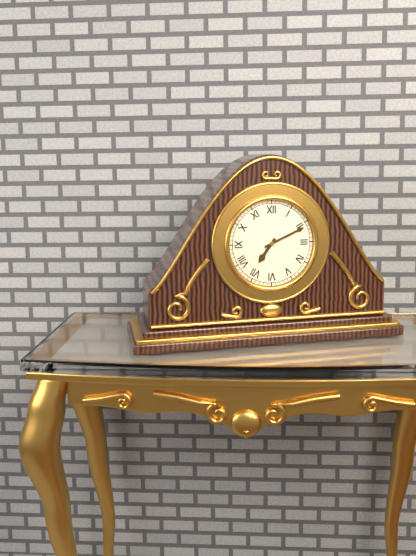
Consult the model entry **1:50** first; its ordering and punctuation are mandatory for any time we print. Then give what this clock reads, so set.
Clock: **7:11**
